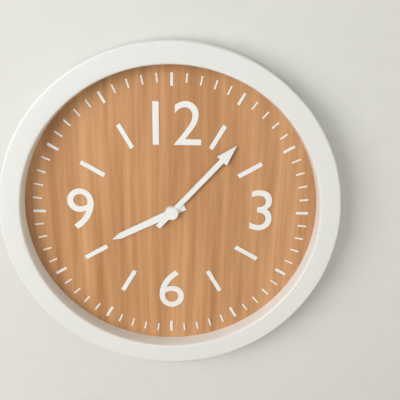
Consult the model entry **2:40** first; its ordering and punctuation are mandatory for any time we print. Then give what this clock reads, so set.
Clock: **8:07**
